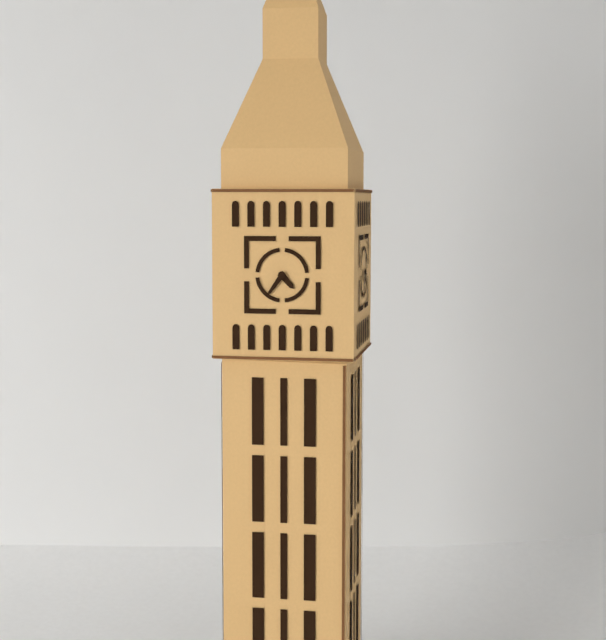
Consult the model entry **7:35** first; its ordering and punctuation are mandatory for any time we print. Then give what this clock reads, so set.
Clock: **4:36**
